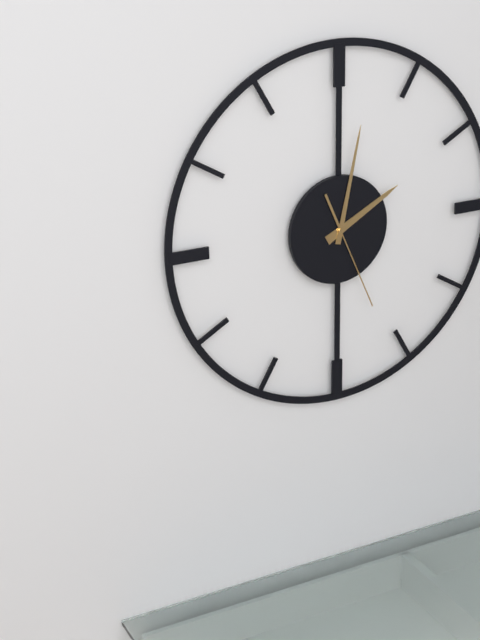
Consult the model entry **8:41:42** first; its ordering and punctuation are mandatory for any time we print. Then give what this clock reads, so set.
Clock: **2:02:26**
